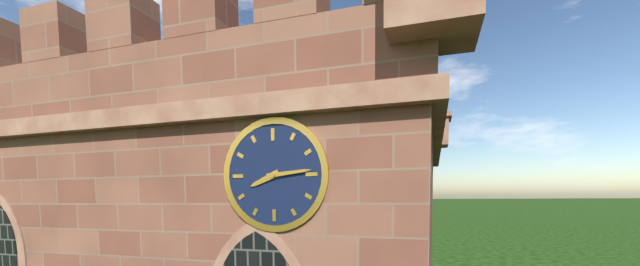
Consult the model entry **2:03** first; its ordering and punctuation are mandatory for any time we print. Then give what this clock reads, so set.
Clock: **8:14**
